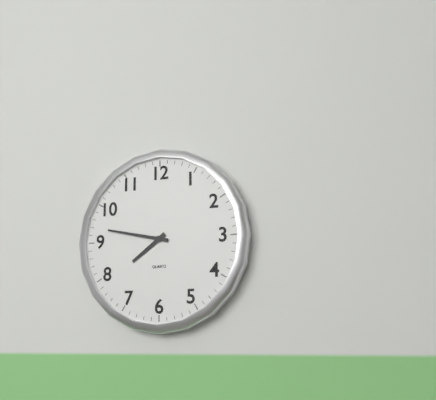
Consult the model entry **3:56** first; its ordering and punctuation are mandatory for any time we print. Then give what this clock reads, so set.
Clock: **7:47**
